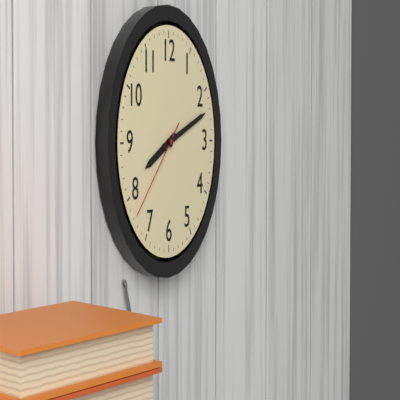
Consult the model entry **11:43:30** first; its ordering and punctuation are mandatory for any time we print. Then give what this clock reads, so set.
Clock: **8:12:38**
